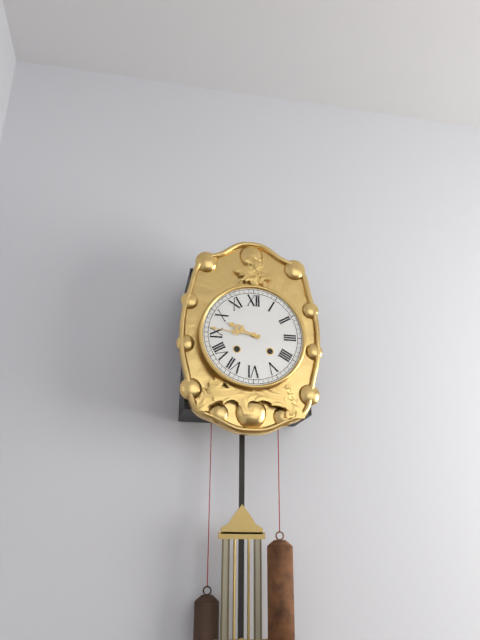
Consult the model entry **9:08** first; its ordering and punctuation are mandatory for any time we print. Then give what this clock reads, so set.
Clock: **9:46**
